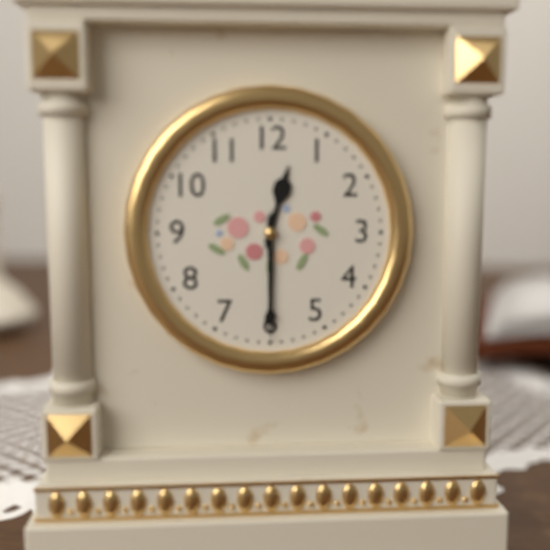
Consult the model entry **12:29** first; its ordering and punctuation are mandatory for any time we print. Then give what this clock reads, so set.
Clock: **12:30**
